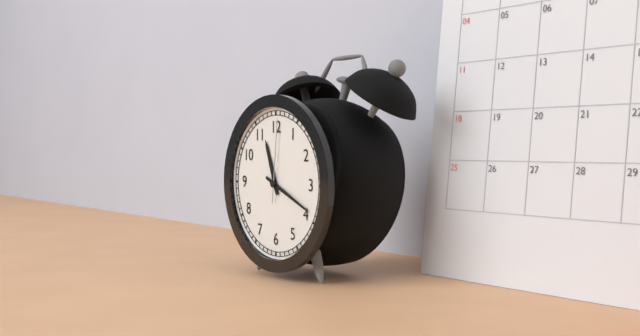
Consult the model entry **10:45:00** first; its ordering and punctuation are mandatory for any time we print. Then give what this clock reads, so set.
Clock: **11:19:01**
